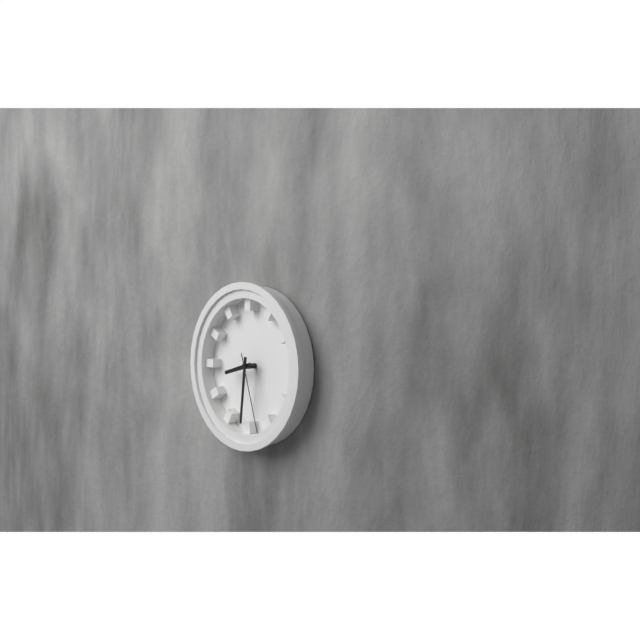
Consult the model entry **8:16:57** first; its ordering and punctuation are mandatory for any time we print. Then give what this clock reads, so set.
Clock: **8:31:27**
